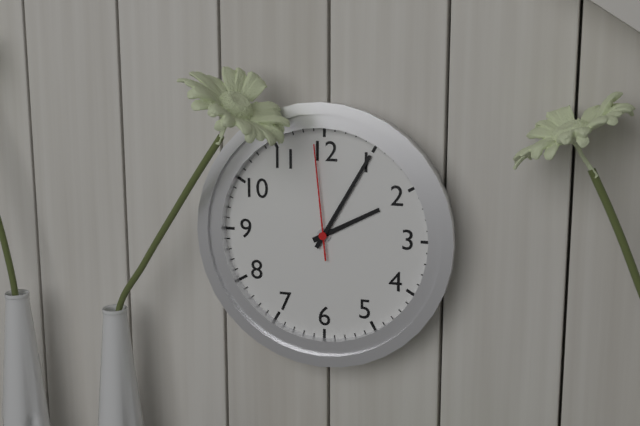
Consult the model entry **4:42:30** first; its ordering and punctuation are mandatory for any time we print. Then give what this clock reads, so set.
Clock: **2:05:59**
